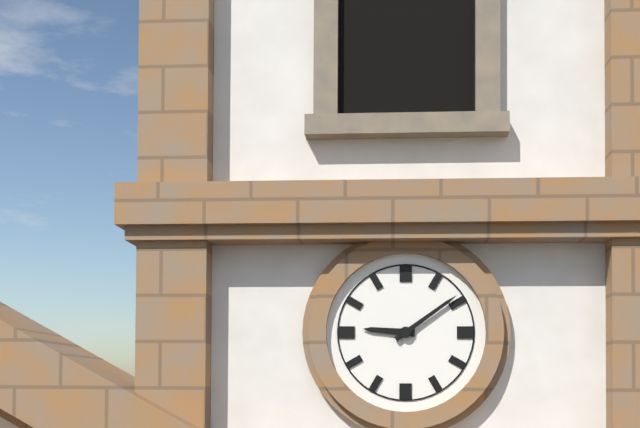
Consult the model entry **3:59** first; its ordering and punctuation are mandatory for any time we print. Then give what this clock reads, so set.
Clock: **9:09**
